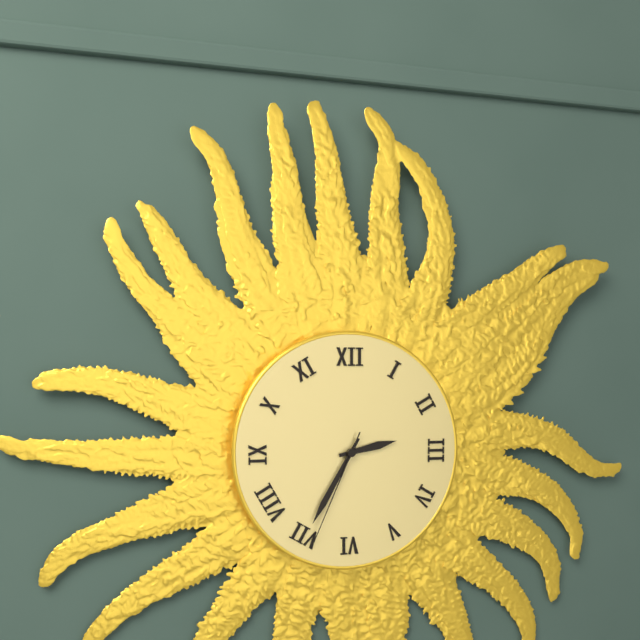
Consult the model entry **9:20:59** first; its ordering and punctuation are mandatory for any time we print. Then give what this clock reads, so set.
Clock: **2:35:34**
